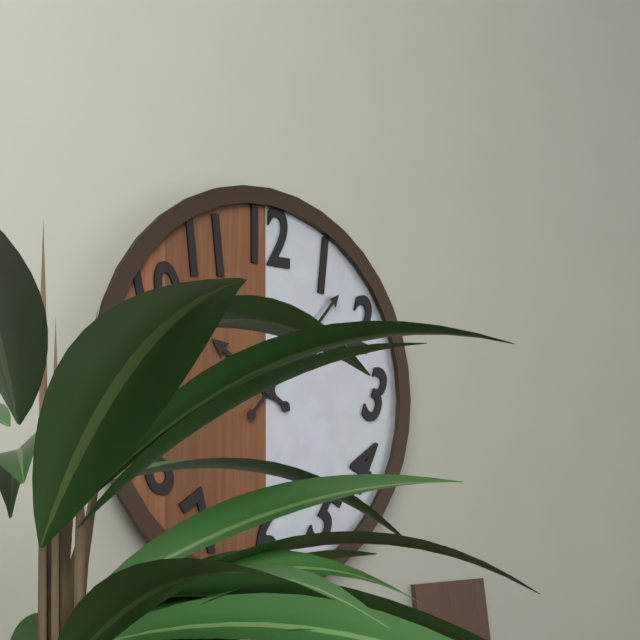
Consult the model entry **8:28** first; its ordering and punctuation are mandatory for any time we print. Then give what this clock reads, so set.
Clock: **10:07**
